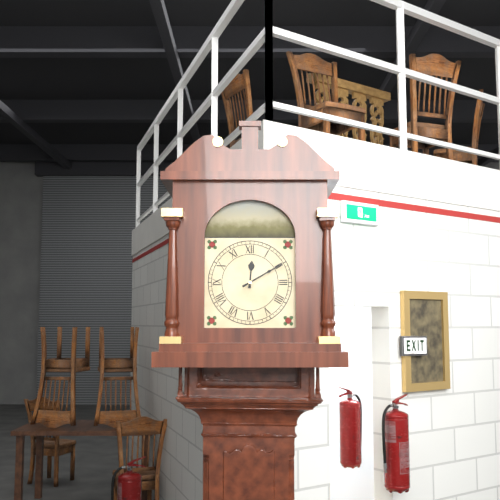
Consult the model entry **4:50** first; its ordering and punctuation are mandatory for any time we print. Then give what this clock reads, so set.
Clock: **12:10**
